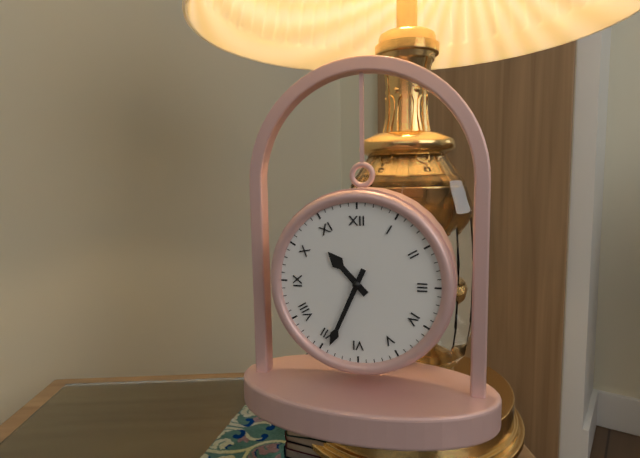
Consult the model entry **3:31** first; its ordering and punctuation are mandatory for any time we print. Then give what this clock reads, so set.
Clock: **10:34**
